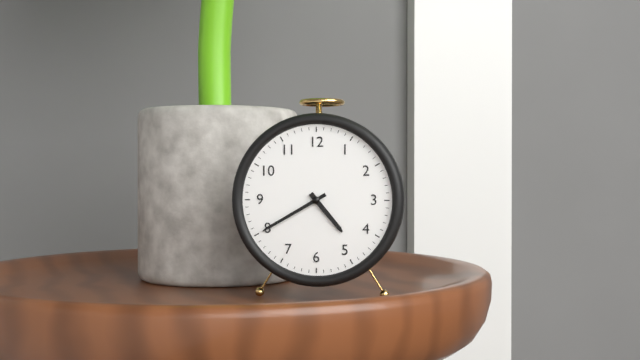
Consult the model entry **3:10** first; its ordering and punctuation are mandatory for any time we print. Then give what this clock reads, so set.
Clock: **4:40**
